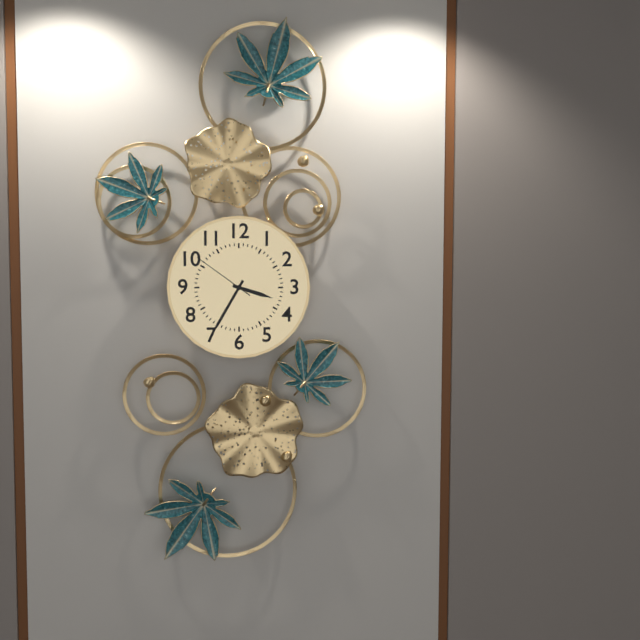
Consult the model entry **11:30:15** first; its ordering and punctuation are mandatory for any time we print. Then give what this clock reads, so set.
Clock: **3:35:51**
